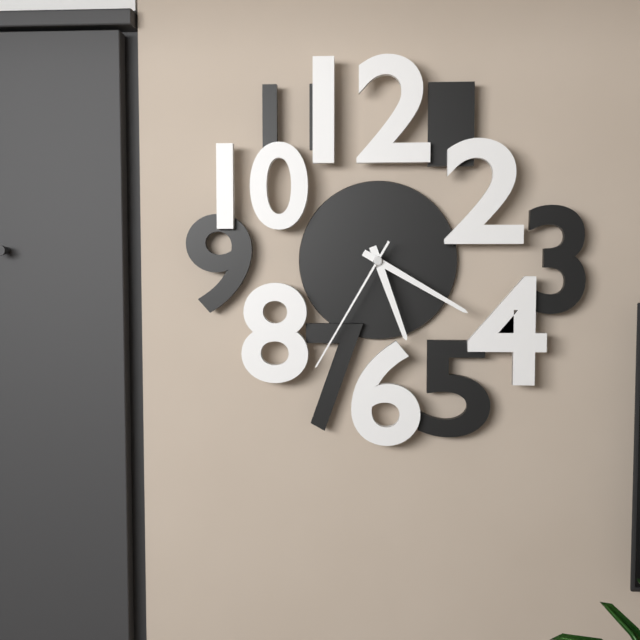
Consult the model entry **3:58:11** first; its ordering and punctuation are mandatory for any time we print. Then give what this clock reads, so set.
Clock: **5:20:35**
